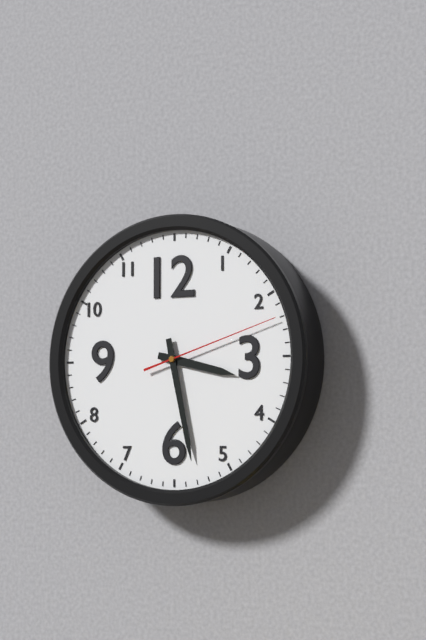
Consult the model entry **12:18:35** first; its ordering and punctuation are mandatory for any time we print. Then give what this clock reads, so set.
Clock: **3:28:12**
